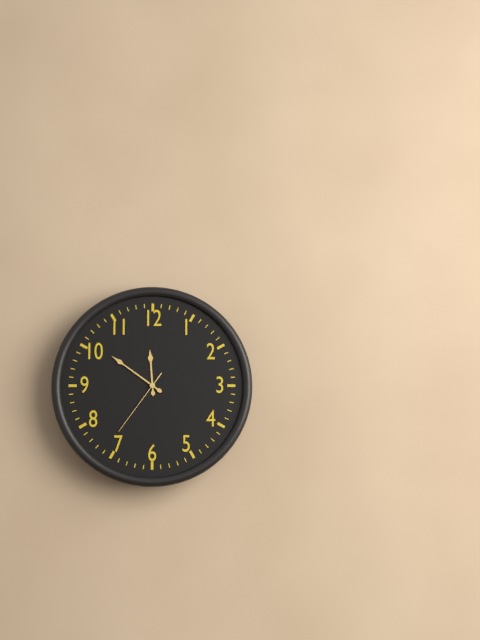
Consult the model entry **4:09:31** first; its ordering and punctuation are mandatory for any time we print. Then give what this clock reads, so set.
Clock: **11:51:36**
